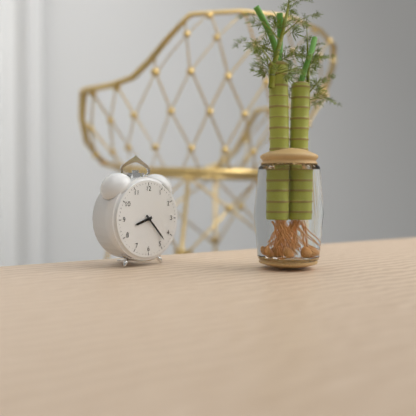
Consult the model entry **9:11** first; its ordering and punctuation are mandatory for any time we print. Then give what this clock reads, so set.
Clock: **8:23**
